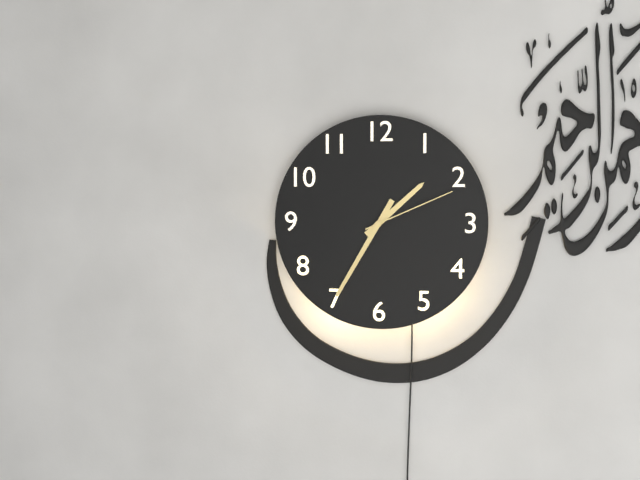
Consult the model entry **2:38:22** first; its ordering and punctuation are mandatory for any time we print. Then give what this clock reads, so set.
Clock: **1:35:11**
